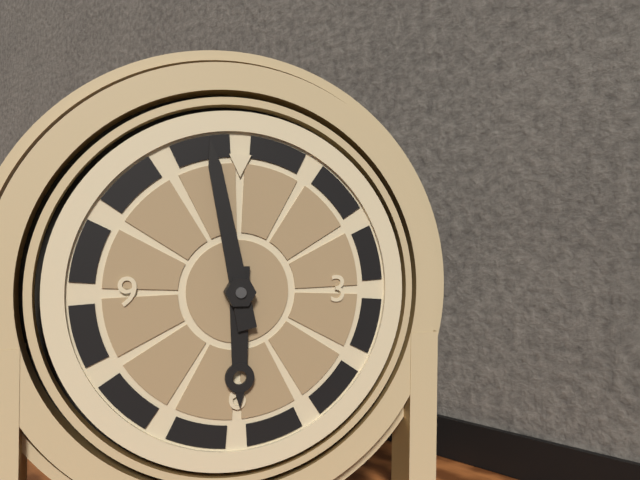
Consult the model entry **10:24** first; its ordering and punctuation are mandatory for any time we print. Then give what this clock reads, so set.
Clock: **5:58**
